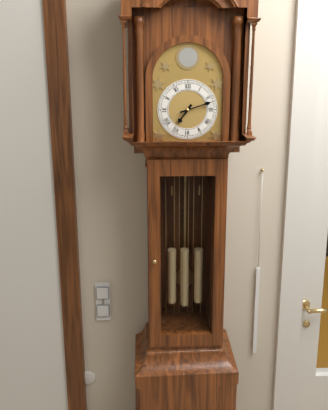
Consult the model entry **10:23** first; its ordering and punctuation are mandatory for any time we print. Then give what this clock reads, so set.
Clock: **7:12**
